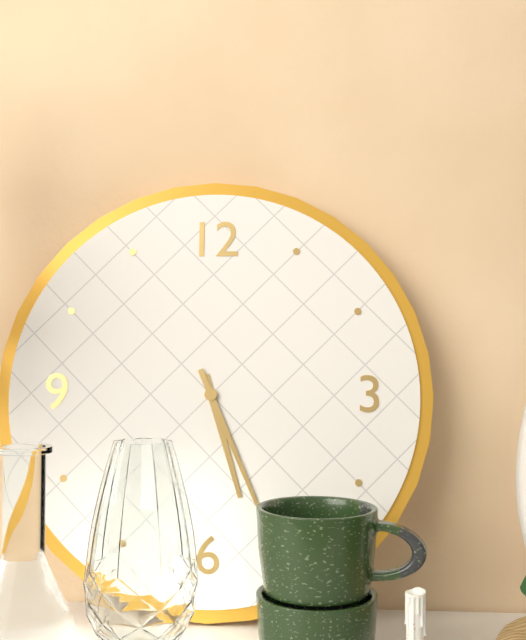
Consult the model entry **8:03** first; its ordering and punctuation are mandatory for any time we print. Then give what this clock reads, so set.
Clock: **5:26**
